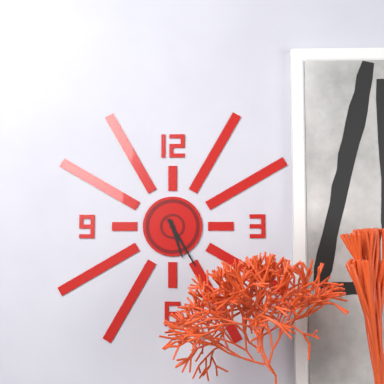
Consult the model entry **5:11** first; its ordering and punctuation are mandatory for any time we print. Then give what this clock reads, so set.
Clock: **5:25**
